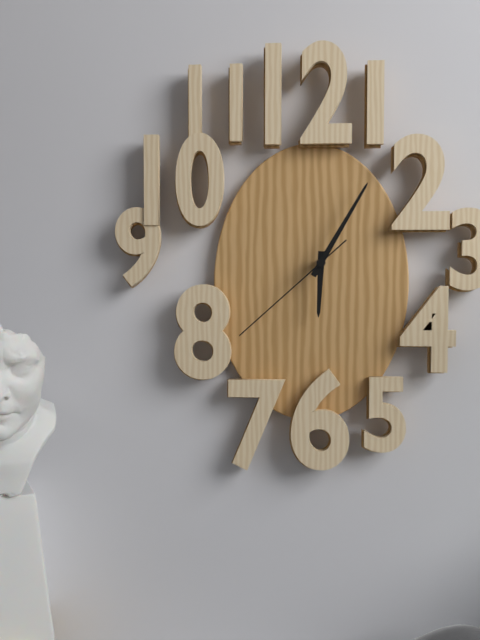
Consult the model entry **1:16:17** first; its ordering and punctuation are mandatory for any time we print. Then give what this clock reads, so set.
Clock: **6:05:38**
